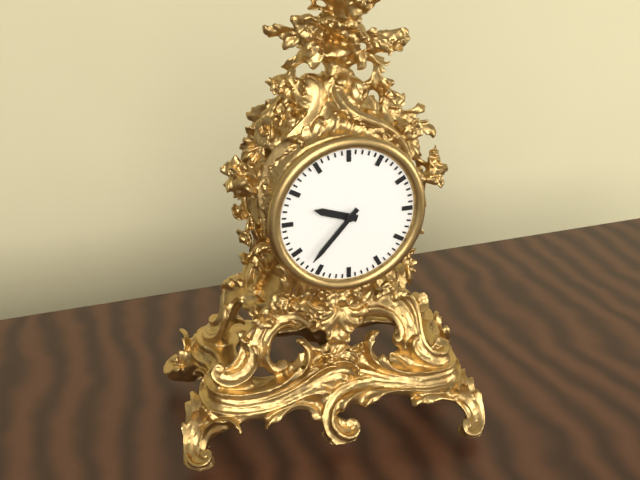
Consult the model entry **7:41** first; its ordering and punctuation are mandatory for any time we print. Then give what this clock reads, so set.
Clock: **9:37**
